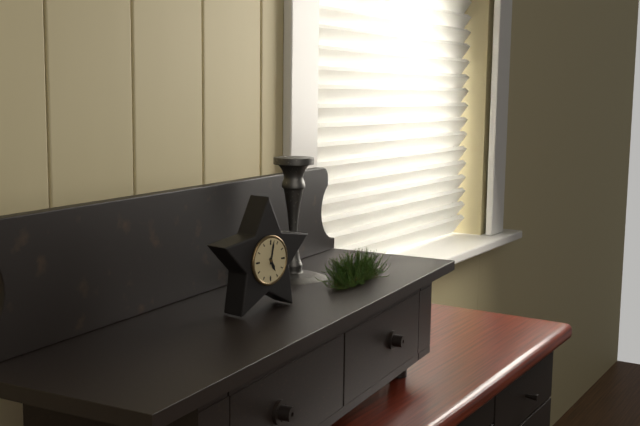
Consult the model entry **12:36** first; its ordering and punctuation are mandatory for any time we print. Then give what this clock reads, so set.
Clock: **5:02**
